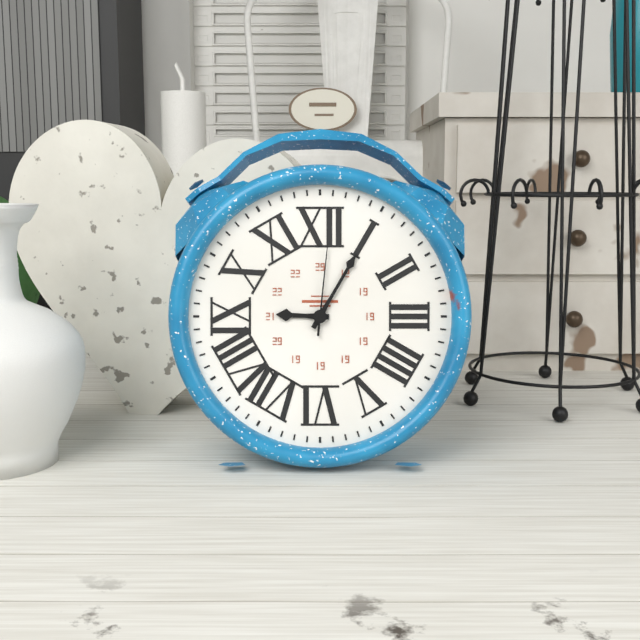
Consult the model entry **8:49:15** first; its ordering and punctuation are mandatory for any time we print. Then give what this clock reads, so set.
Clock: **9:05:01**
